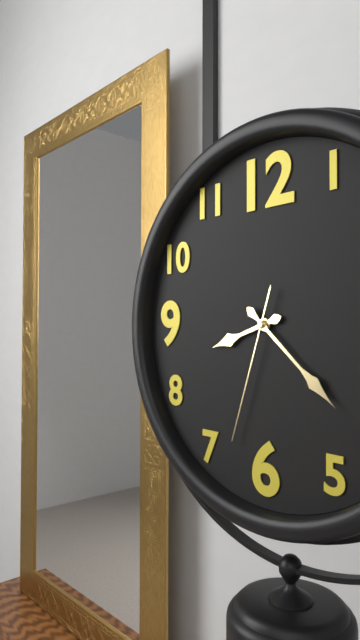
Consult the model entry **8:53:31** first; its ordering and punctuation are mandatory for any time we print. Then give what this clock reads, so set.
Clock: **8:22:33**
